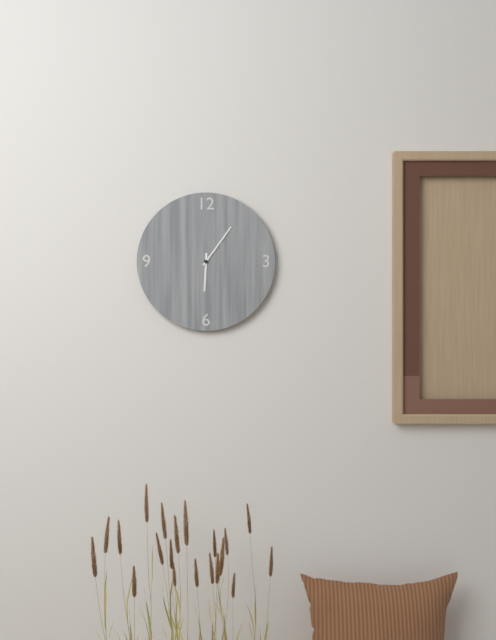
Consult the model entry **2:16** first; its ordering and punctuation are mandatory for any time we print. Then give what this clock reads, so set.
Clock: **6:06**
